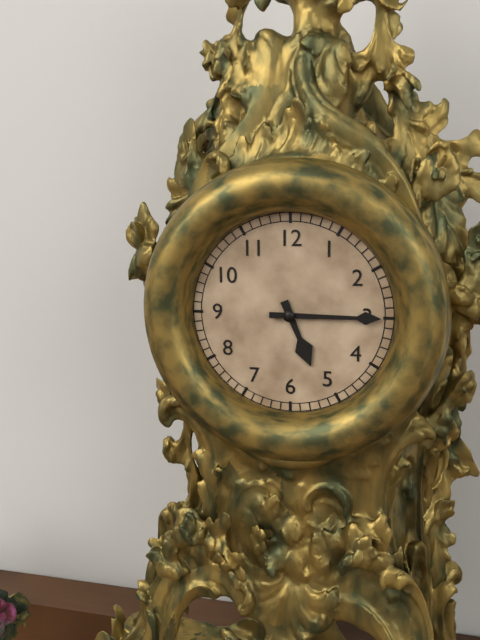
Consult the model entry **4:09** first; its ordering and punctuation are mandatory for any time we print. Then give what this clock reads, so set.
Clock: **5:15**
